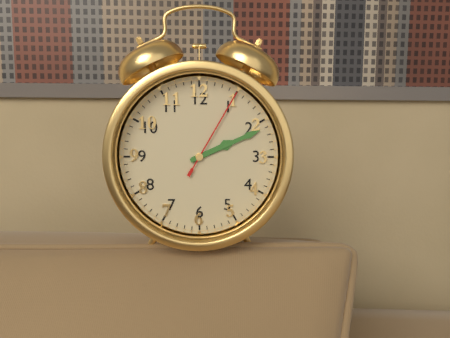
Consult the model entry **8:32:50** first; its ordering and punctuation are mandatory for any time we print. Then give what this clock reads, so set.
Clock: **2:11:05**
